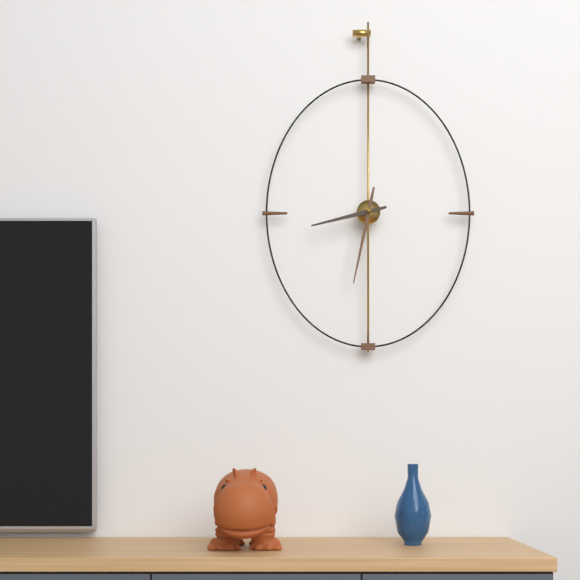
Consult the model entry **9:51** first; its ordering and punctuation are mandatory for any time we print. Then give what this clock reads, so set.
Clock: **8:32**
